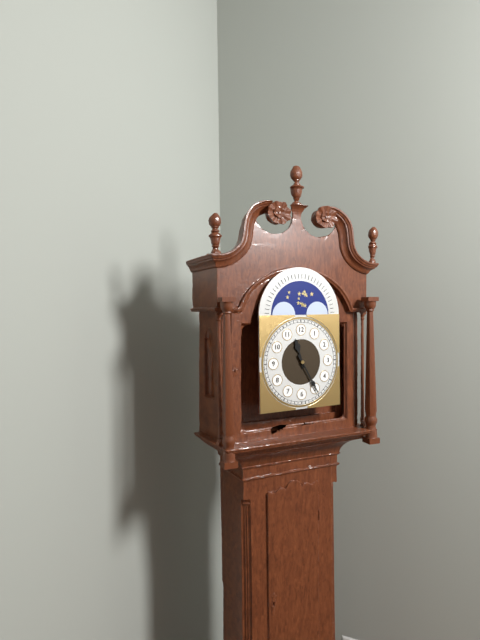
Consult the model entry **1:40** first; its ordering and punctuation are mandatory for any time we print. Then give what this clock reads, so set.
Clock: **11:25**
